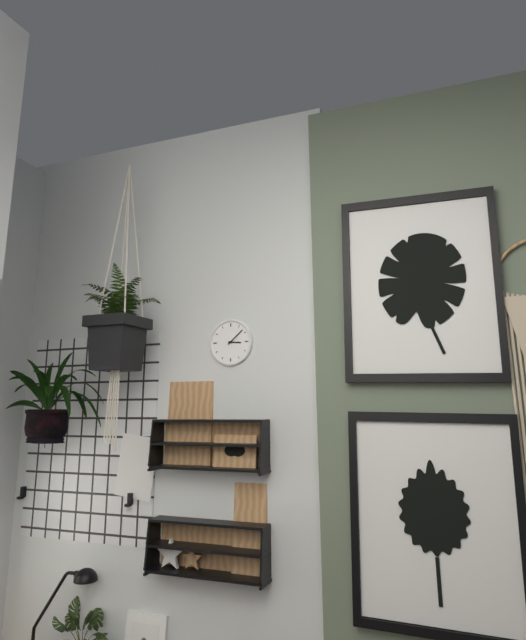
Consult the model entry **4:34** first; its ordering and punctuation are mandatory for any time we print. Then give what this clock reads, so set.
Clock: **3:08**
